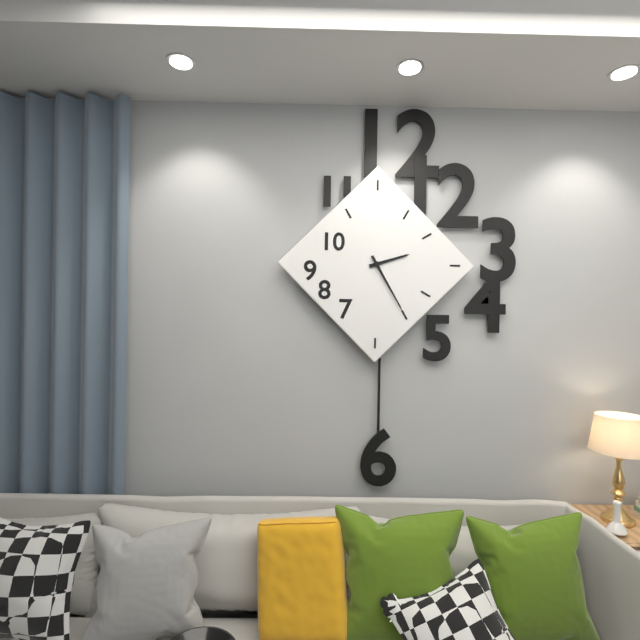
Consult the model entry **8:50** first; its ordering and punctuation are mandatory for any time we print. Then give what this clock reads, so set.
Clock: **2:25**
